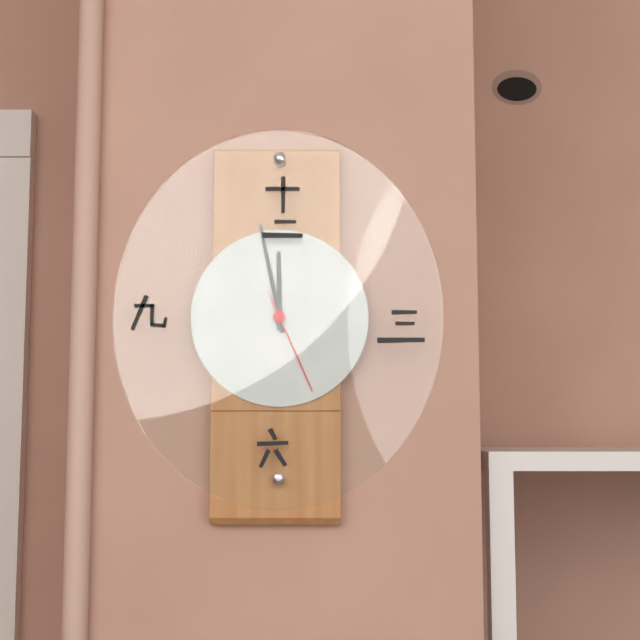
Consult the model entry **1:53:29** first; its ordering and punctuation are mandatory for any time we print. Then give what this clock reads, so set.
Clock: **11:58:26**
